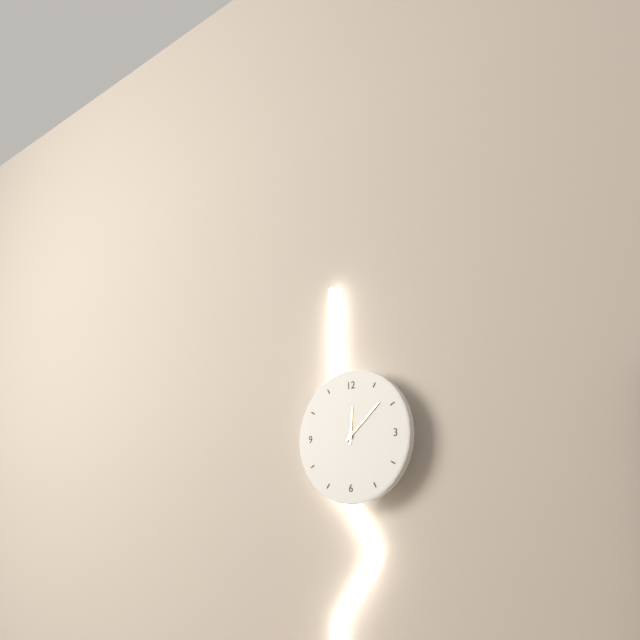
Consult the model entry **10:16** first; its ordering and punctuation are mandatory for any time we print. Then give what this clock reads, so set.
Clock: **12:08**
